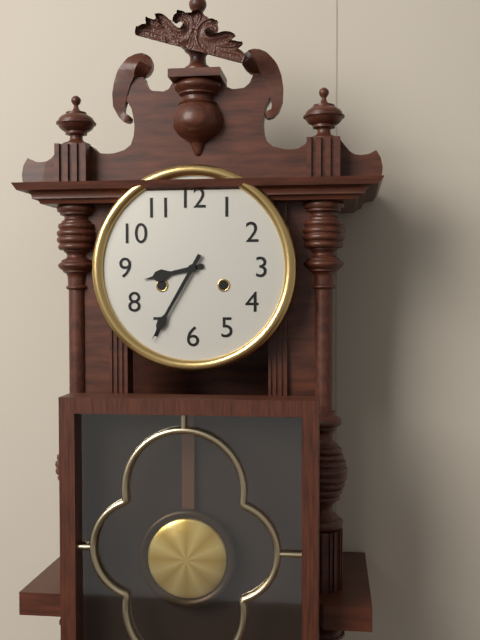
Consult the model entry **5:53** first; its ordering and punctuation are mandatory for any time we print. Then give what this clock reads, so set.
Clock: **8:35**
